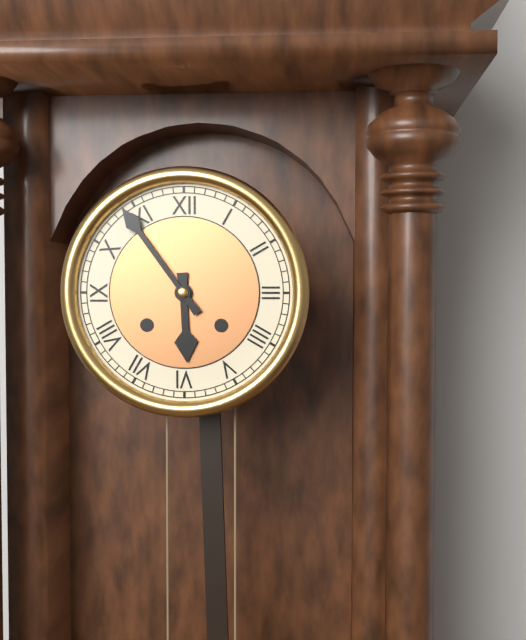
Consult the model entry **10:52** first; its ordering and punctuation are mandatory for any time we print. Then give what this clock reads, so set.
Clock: **5:54**
